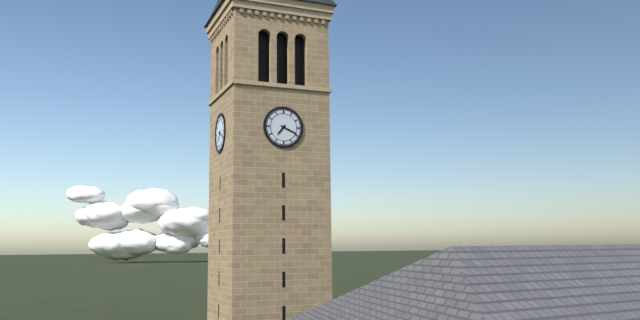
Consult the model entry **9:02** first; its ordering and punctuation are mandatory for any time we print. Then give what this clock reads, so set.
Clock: **7:19**
